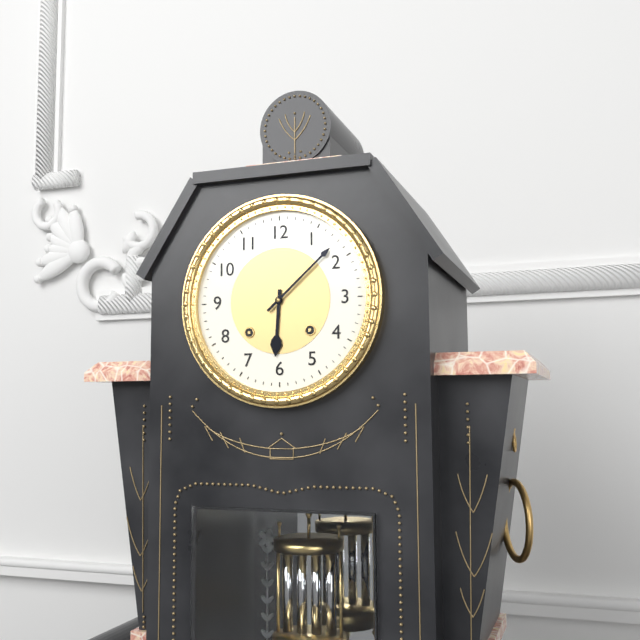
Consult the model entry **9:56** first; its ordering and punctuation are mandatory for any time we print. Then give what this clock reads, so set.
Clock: **6:08**
